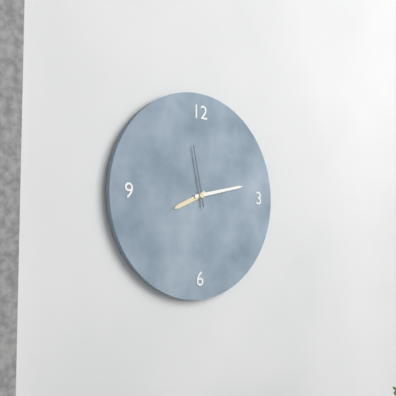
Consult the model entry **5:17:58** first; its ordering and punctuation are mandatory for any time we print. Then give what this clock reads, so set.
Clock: **8:13:58**
